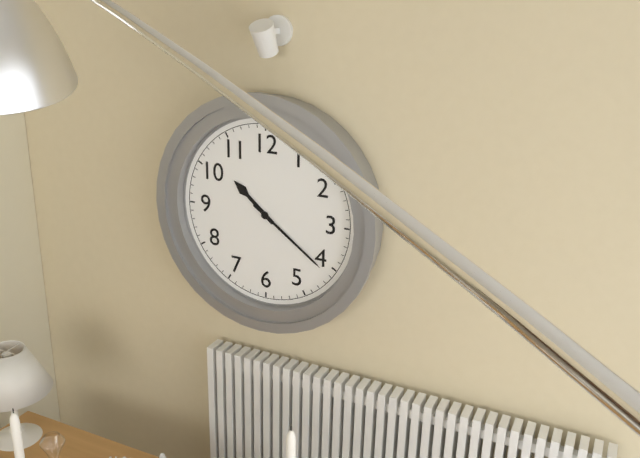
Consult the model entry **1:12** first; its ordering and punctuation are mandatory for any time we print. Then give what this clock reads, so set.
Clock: **10:21**
